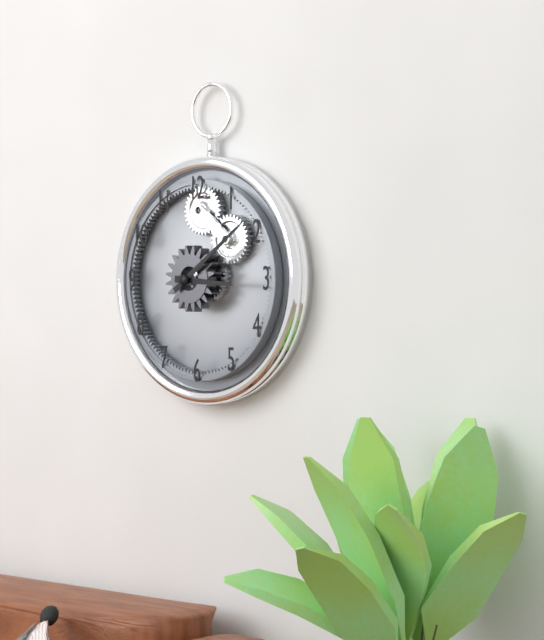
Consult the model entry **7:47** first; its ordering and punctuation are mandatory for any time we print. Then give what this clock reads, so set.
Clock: **3:09**
